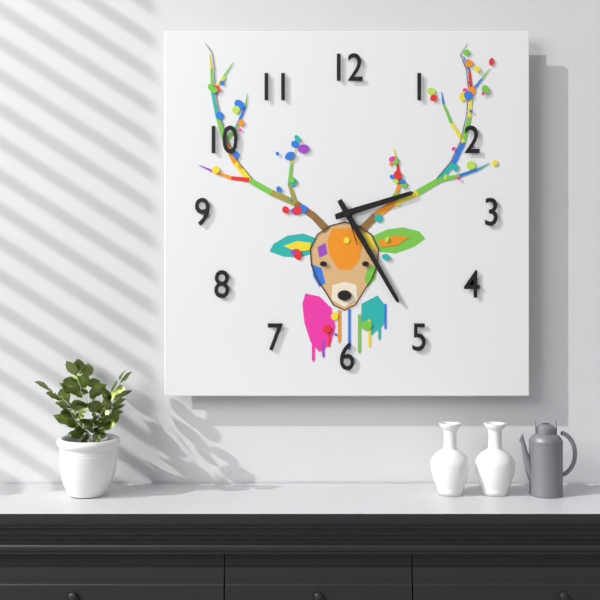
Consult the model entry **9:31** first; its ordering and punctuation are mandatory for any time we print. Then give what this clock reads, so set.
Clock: **2:25**
